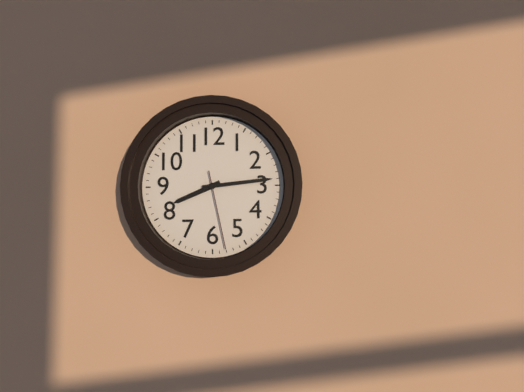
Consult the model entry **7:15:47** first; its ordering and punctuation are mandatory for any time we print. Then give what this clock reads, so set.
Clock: **8:14:28**
